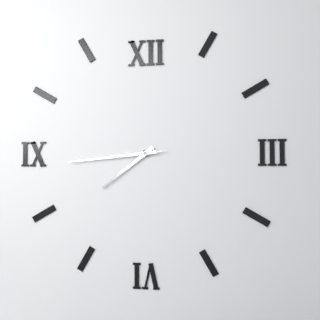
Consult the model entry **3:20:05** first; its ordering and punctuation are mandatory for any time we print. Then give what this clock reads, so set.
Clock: **7:44:44**
